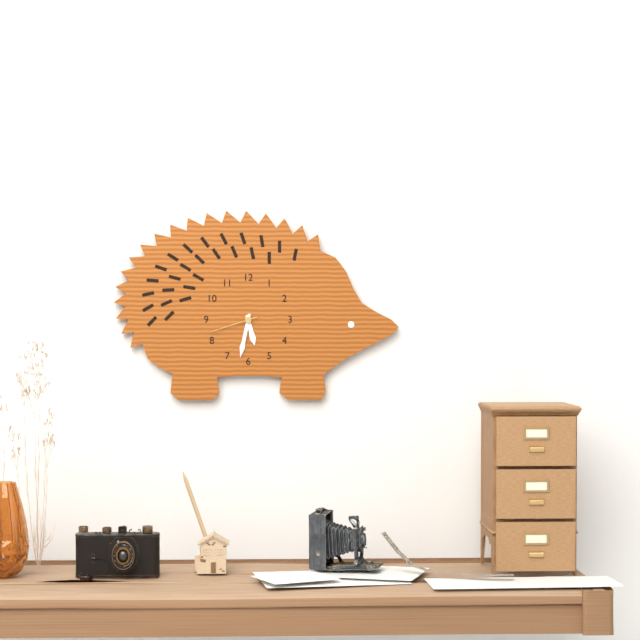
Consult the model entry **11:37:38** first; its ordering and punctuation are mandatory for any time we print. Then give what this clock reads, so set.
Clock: **5:32:42**
